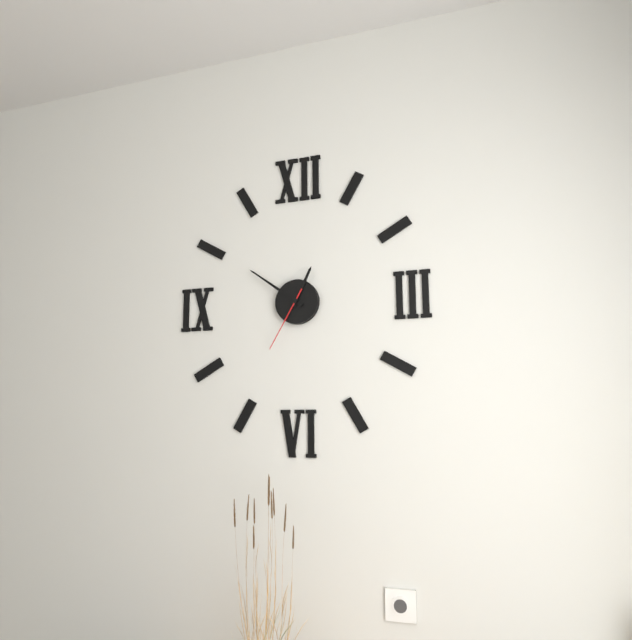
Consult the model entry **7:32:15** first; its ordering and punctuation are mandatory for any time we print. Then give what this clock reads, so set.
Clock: **12:51:35**
